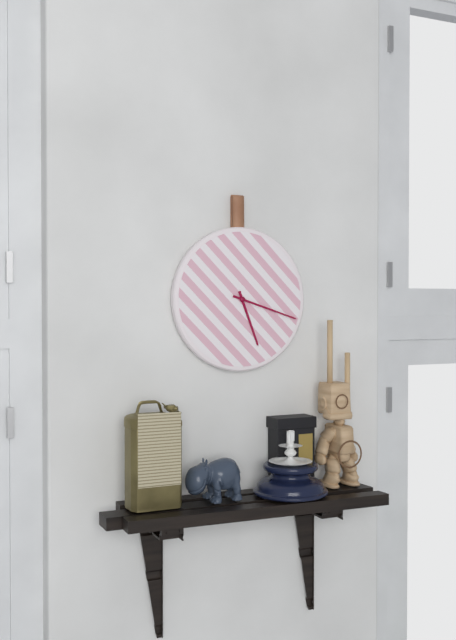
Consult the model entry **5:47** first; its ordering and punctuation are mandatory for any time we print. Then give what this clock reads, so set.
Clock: **5:18**
